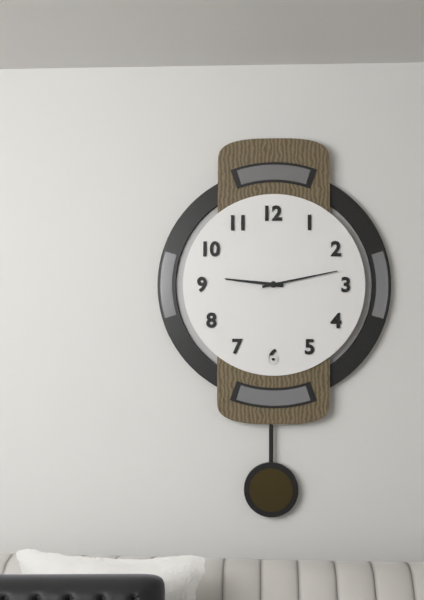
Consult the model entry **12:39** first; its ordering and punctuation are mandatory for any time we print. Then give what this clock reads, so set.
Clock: **9:13**
